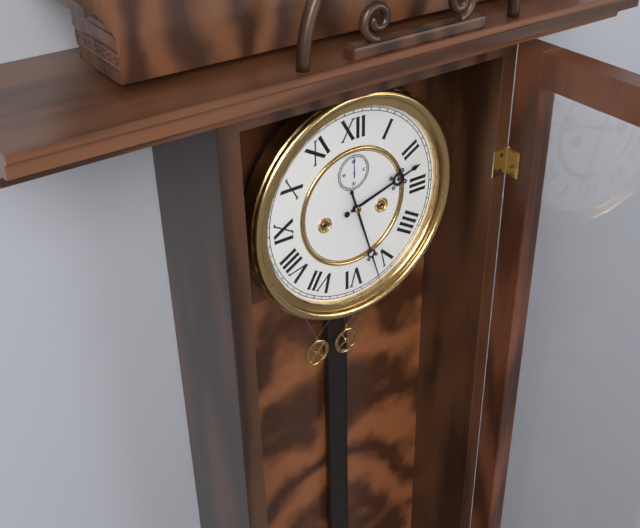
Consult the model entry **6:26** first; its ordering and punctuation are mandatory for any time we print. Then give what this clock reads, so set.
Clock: **2:27**
